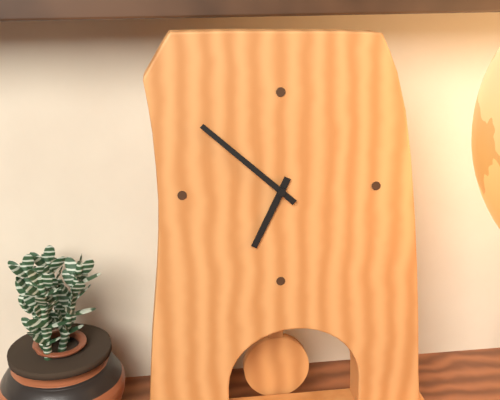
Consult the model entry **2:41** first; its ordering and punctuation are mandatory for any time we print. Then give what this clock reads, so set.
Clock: **6:52**
